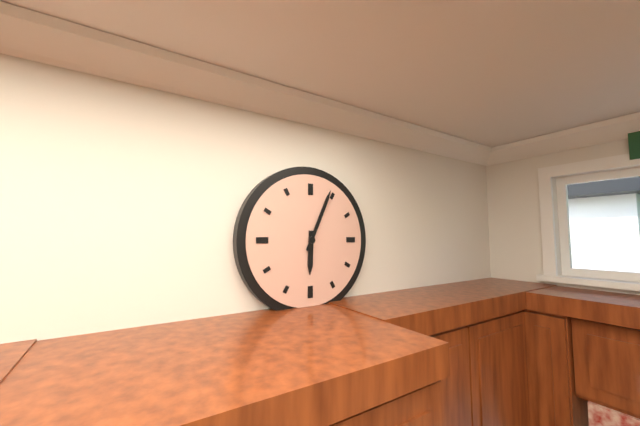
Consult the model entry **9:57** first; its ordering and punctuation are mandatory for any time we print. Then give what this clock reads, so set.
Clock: **6:04**
